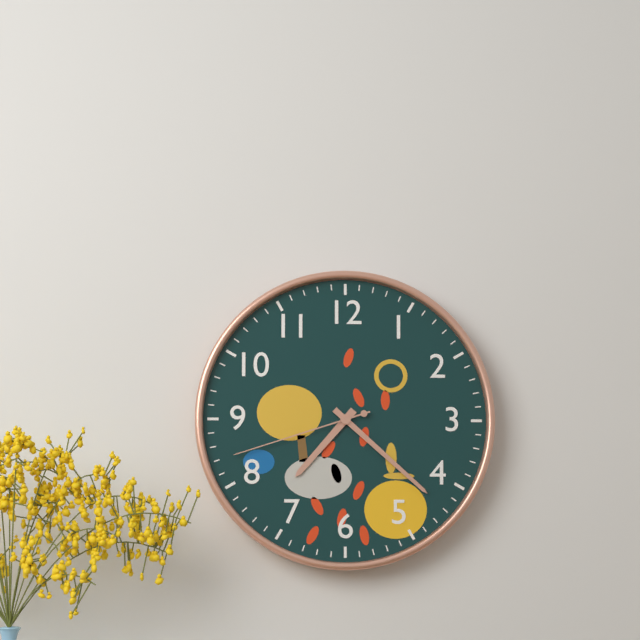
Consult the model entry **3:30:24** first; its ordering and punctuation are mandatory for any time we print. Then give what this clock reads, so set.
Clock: **7:22:42**
